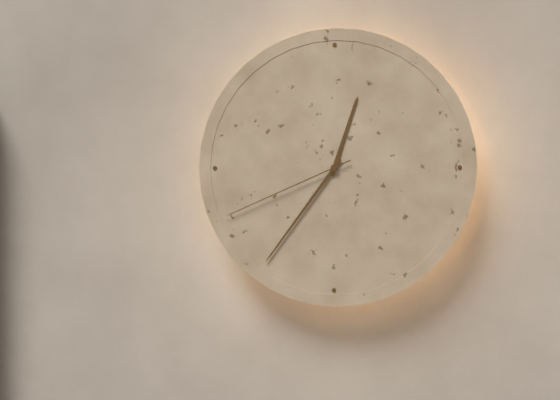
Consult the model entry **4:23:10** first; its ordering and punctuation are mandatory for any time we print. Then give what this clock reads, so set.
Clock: **12:36:41**
